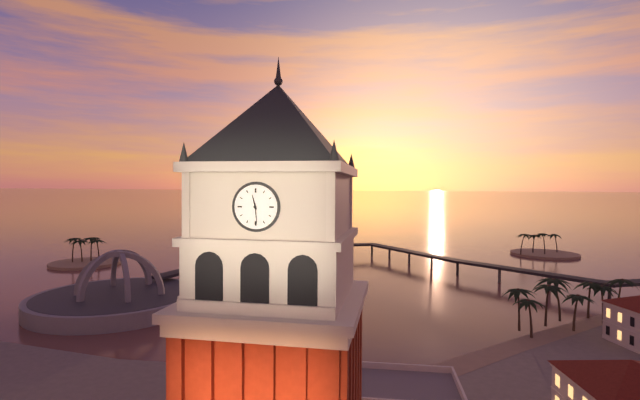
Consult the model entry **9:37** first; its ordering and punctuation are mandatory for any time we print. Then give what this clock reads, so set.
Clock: **11:29**
